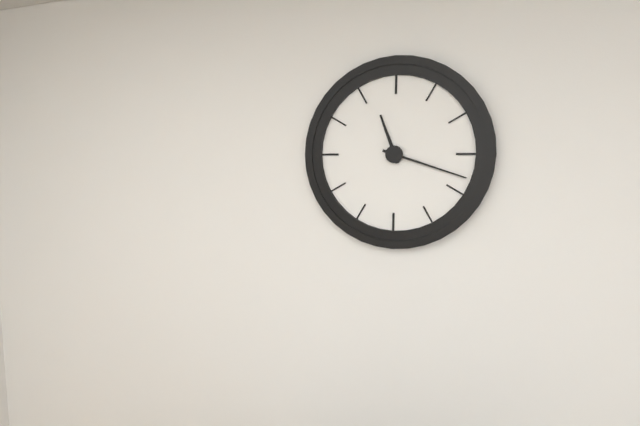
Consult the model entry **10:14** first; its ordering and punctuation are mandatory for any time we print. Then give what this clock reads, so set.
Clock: **11:18**
